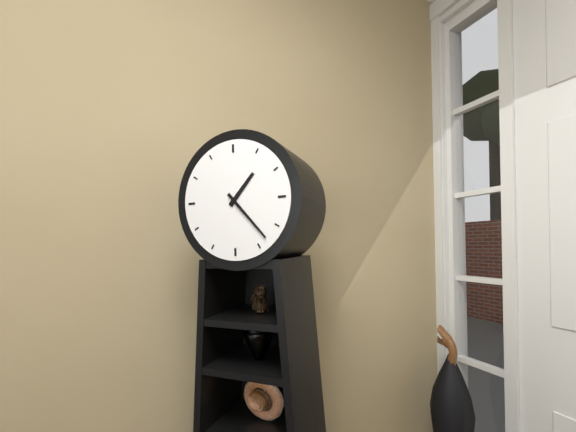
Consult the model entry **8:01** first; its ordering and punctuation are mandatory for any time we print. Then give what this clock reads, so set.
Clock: **1:23**
